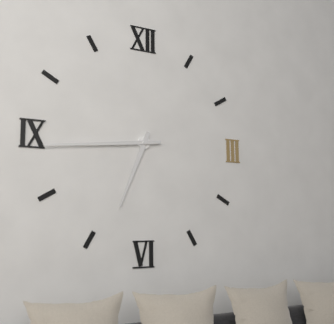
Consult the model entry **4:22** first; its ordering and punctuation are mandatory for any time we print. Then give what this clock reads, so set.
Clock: **6:44**
